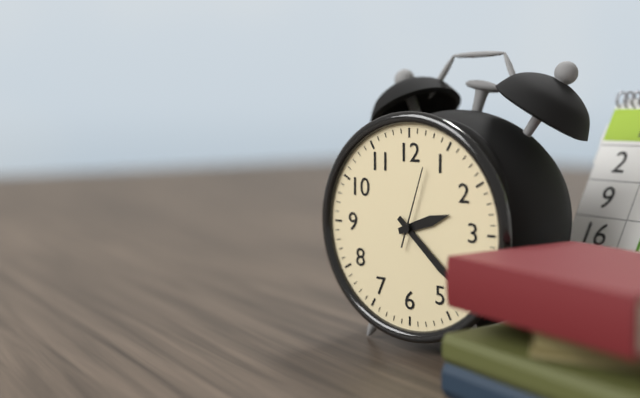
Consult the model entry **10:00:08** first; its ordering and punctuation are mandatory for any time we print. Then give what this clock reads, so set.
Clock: **2:22:03**
